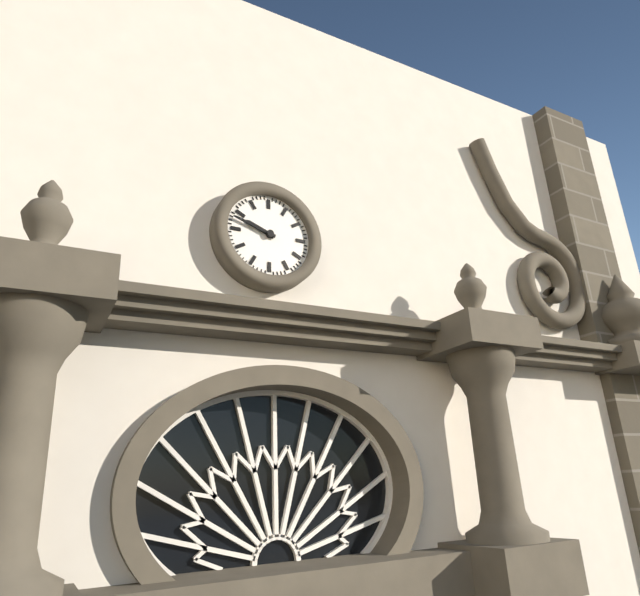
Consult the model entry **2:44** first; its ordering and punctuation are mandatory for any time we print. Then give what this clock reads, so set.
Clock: **9:48**
